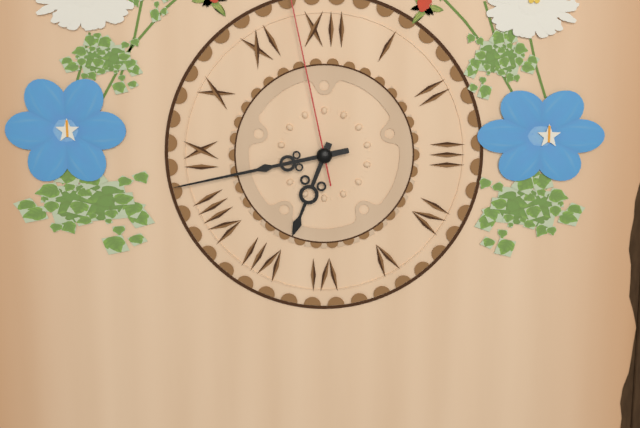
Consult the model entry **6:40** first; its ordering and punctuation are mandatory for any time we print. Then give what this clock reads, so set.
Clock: **6:43**
